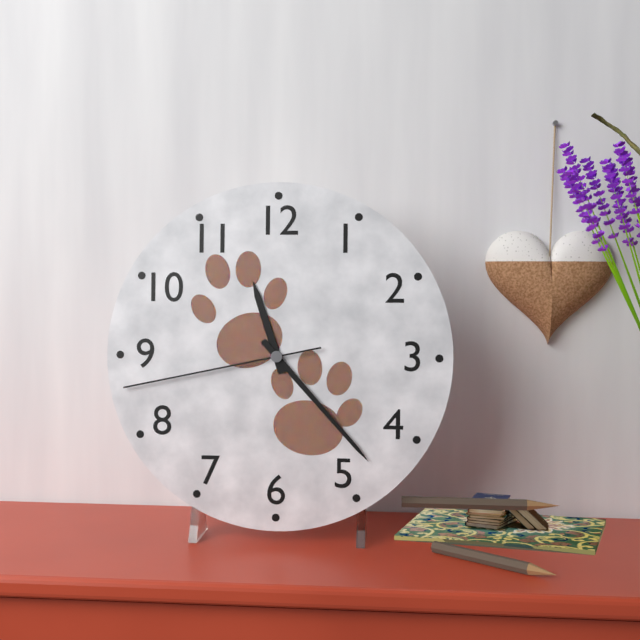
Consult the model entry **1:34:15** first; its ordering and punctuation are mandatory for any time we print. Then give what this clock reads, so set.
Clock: **11:23:43**
